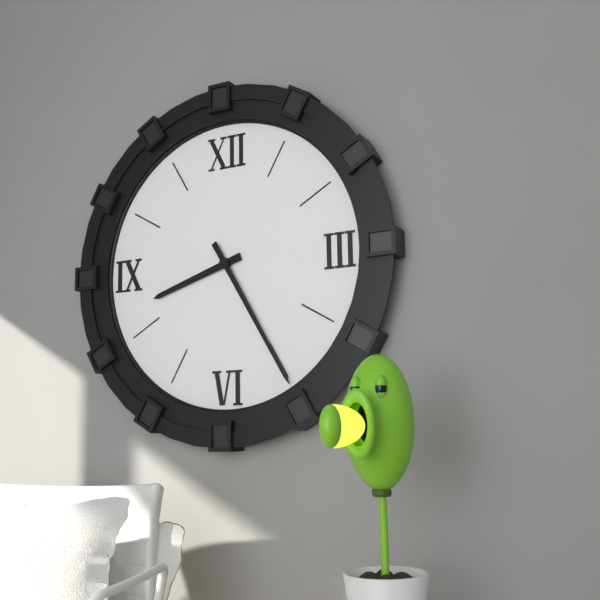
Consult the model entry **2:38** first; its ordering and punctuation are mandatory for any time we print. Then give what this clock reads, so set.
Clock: **8:25**
